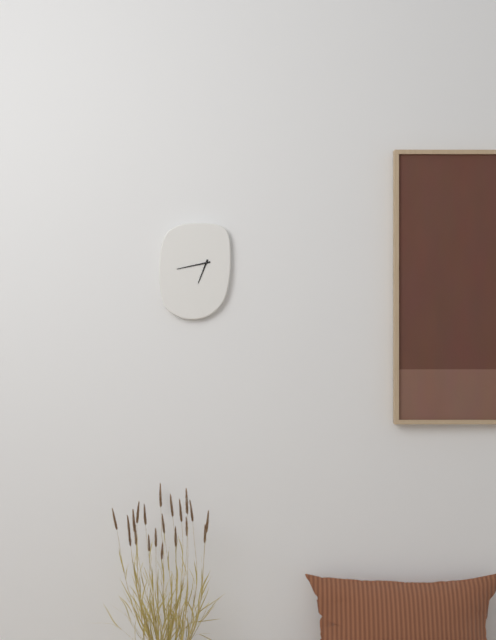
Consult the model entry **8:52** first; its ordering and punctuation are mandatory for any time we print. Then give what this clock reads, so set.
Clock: **6:43**
